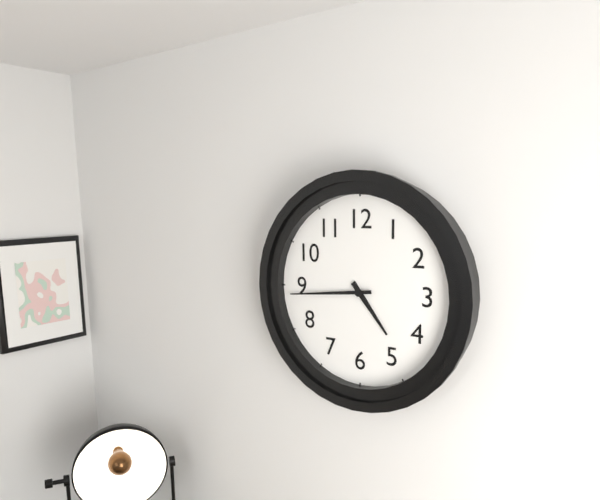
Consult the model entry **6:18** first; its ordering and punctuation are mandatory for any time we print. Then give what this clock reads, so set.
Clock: **4:44**
